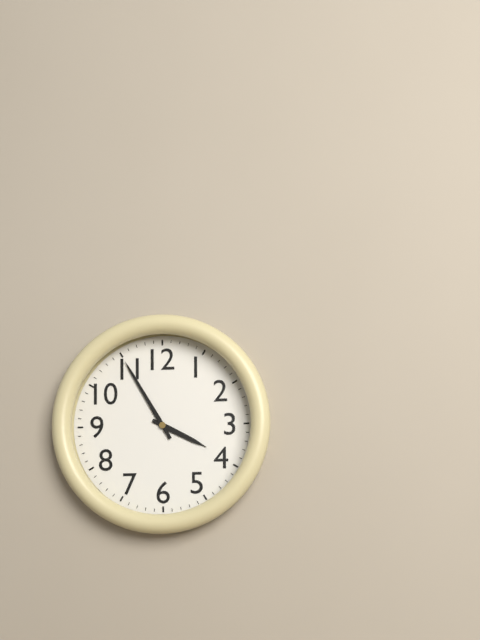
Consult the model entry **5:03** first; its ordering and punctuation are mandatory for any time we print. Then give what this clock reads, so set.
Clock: **3:55**
